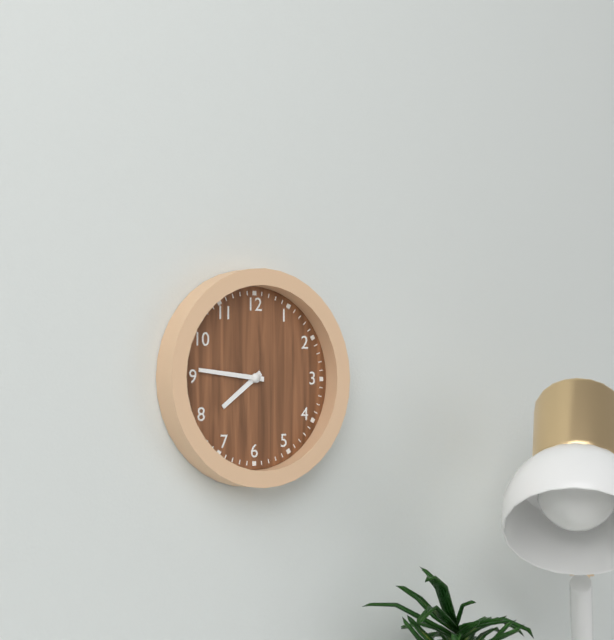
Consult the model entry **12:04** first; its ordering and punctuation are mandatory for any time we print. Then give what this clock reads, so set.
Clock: **7:46**
